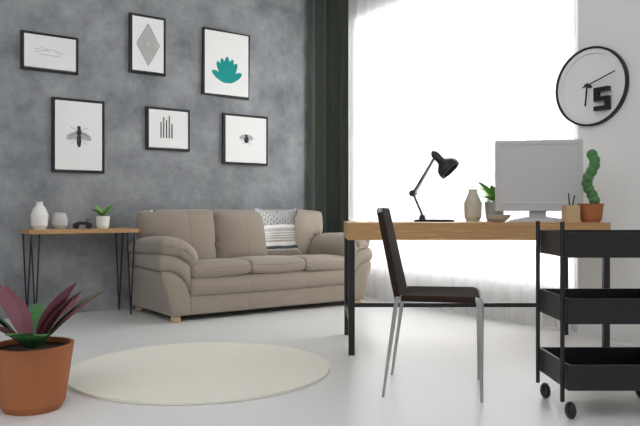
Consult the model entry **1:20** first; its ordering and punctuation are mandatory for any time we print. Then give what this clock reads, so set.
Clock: **6:12**
